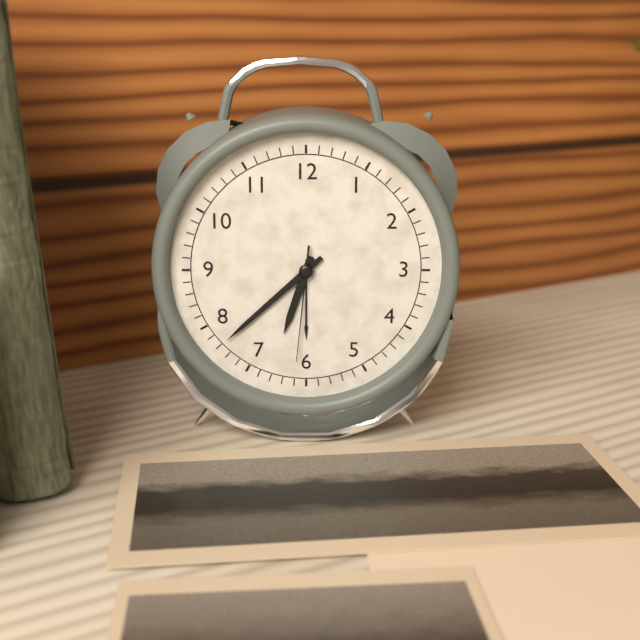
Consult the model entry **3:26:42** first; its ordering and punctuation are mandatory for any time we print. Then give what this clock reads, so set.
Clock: **6:38:31**
